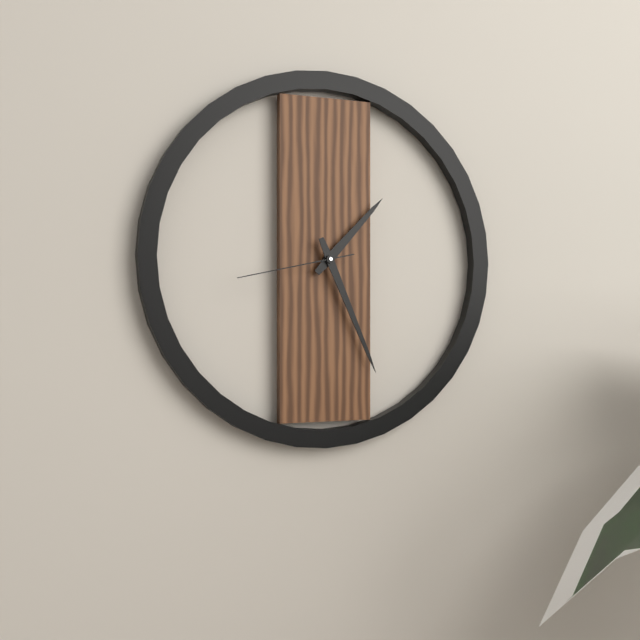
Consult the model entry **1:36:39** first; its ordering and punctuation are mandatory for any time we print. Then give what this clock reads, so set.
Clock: **1:26:43**
